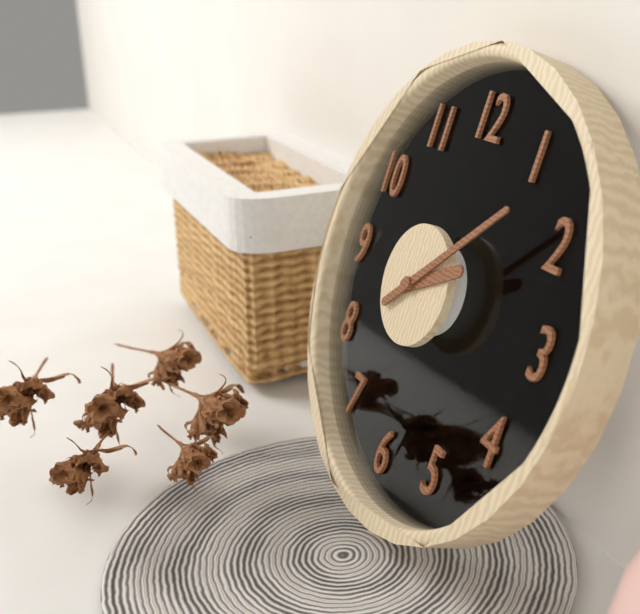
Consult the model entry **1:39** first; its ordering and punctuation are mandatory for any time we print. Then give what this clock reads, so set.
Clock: **2:08**
